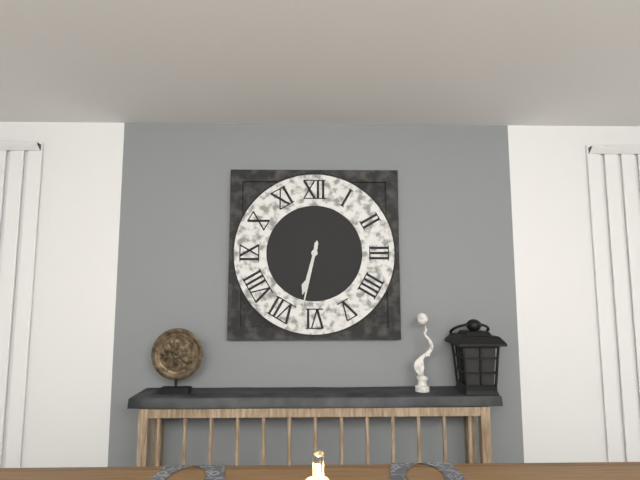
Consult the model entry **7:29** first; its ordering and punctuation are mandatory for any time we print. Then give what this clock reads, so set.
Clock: **6:32**
